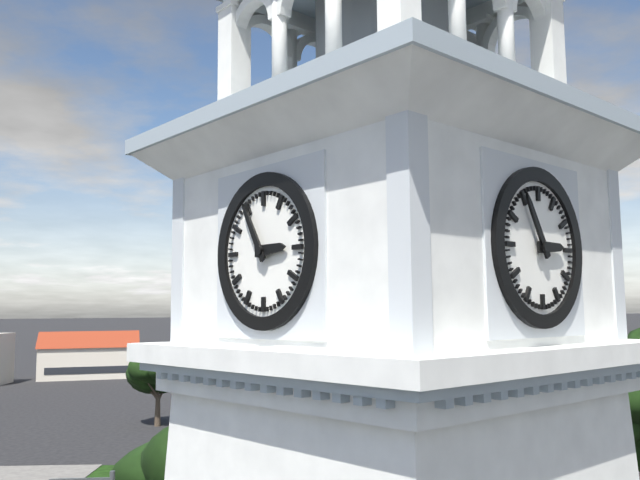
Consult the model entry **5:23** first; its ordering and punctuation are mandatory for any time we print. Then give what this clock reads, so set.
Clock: **2:55**
